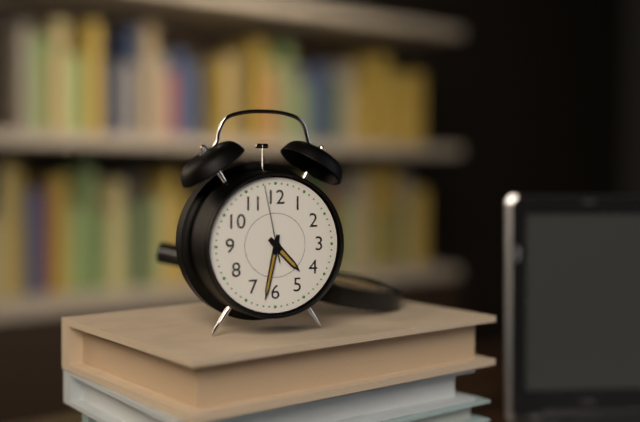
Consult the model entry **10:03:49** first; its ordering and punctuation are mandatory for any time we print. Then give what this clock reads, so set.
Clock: **4:32:58**
